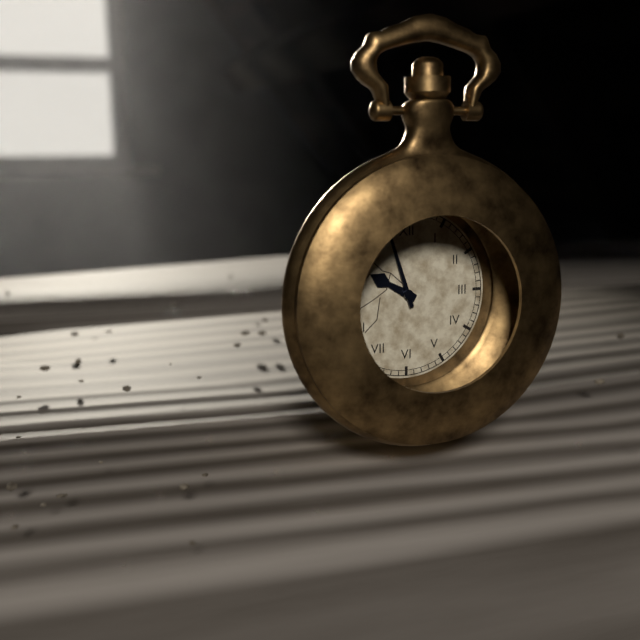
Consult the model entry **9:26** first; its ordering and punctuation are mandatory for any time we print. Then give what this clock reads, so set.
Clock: **9:57**
